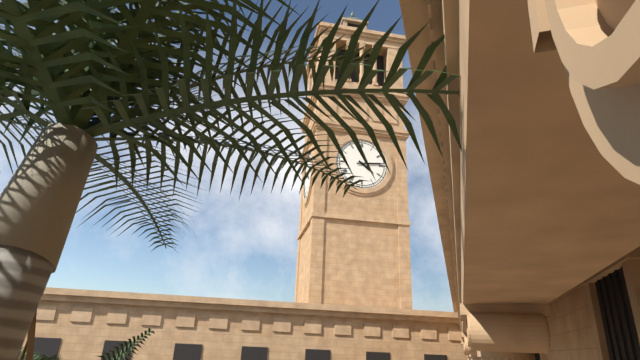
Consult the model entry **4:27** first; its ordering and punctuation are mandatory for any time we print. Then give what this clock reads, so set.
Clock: **4:14**
